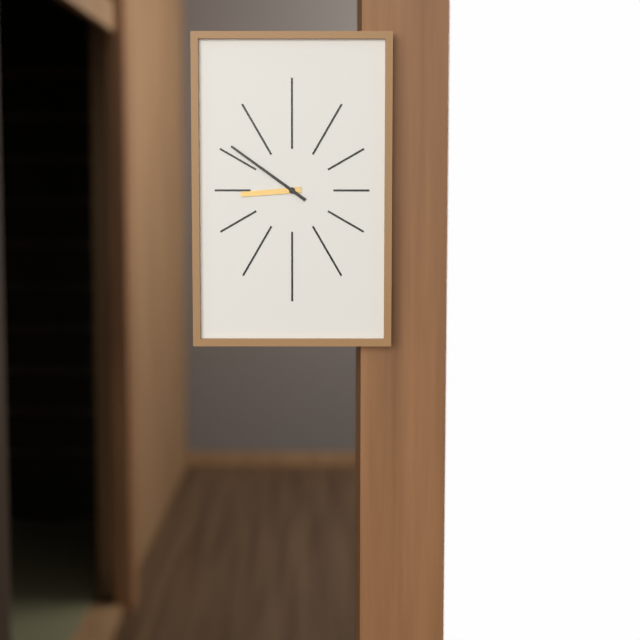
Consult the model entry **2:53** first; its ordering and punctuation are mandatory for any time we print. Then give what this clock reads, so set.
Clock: **8:51**
